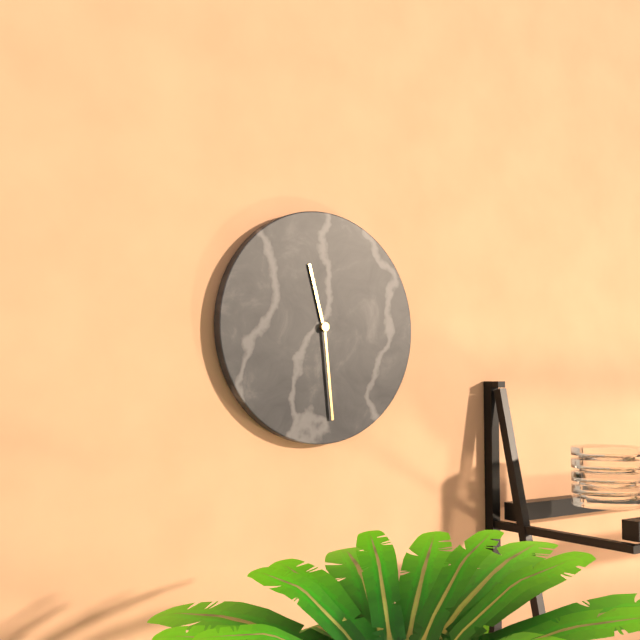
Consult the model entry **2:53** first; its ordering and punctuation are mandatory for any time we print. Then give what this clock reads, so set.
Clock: **11:29**
